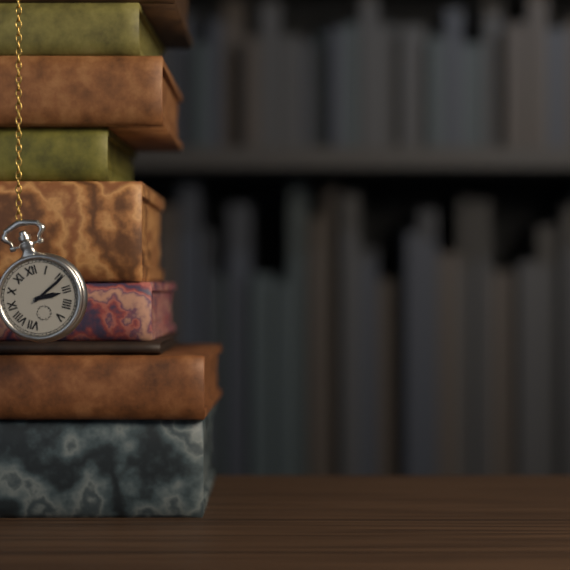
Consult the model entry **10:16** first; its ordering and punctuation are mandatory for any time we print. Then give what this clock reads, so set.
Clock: **3:11**
